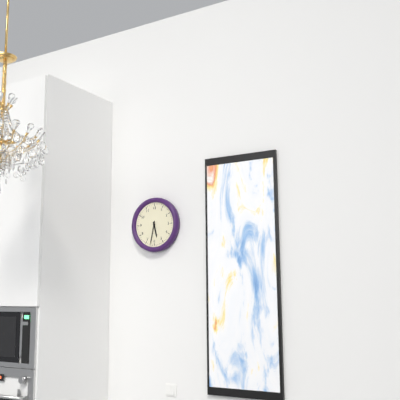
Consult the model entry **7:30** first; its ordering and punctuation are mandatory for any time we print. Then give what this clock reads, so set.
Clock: **5:32**
